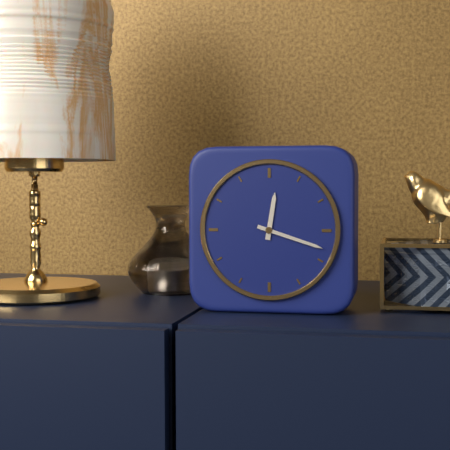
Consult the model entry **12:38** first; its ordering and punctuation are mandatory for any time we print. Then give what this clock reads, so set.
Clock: **12:18**
